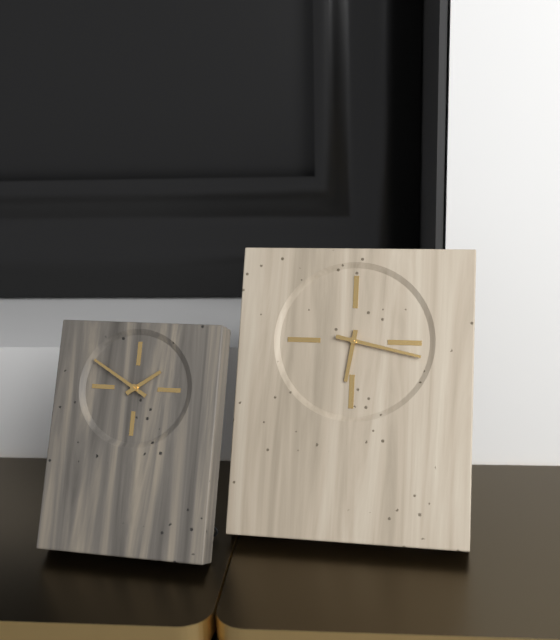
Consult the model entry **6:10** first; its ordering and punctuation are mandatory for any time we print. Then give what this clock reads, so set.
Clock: **6:17**
